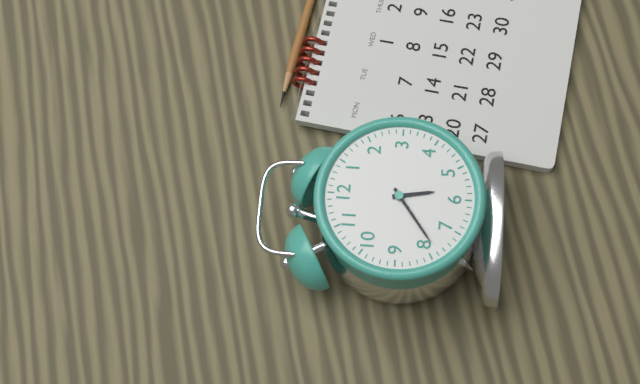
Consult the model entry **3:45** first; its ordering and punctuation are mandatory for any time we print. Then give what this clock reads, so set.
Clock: **5:39**
